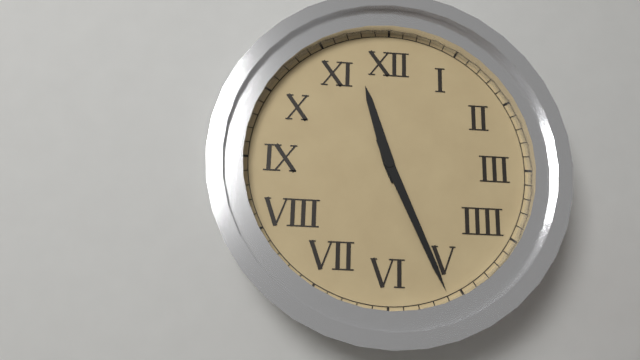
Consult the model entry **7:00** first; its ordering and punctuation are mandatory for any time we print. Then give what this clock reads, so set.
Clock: **11:26**
